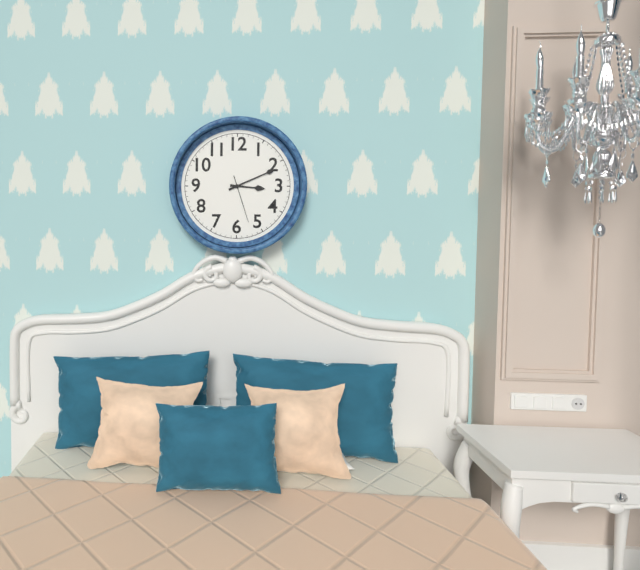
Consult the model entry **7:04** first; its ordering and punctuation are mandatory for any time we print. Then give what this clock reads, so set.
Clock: **3:11**
